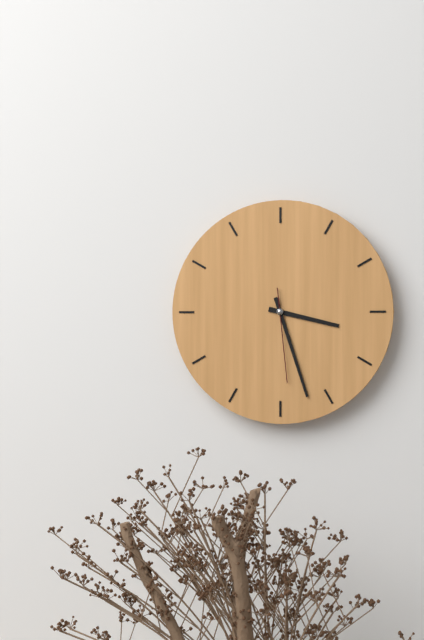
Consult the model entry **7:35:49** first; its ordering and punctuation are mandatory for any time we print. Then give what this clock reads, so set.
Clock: **3:27:29**
